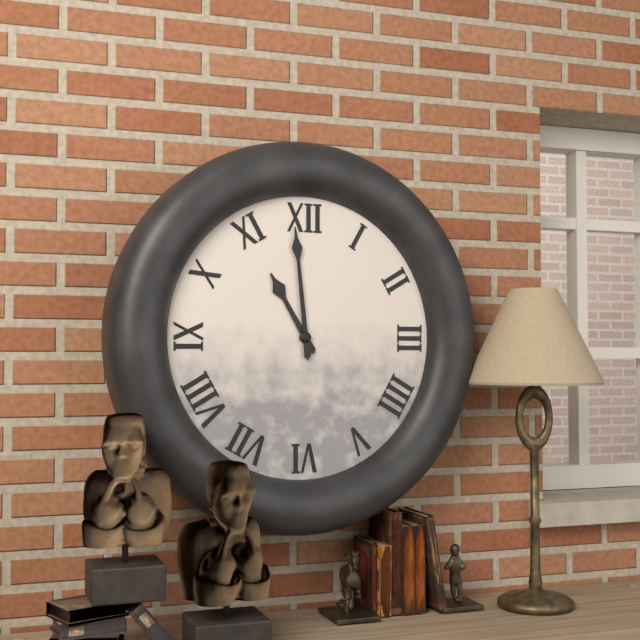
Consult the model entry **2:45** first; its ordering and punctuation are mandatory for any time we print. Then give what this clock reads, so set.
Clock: **10:59**
